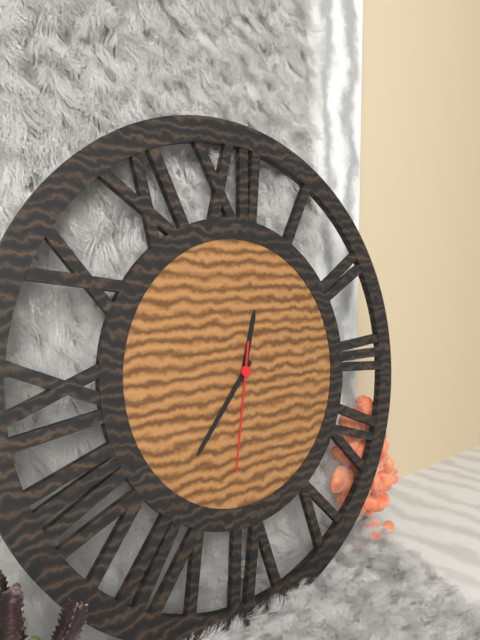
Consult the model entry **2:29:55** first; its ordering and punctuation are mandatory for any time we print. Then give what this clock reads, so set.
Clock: **12:37:32**
